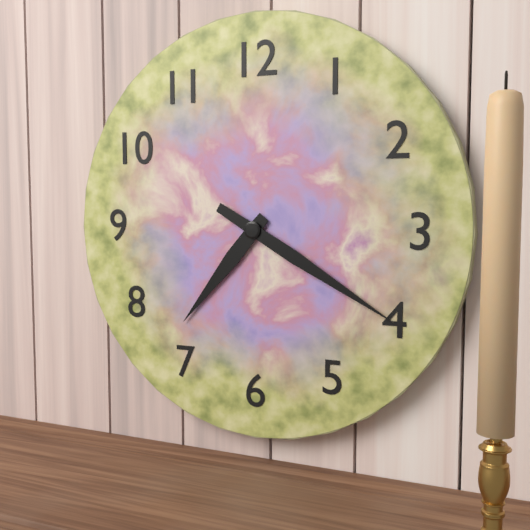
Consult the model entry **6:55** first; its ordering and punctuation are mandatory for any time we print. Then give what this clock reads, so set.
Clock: **7:20**
